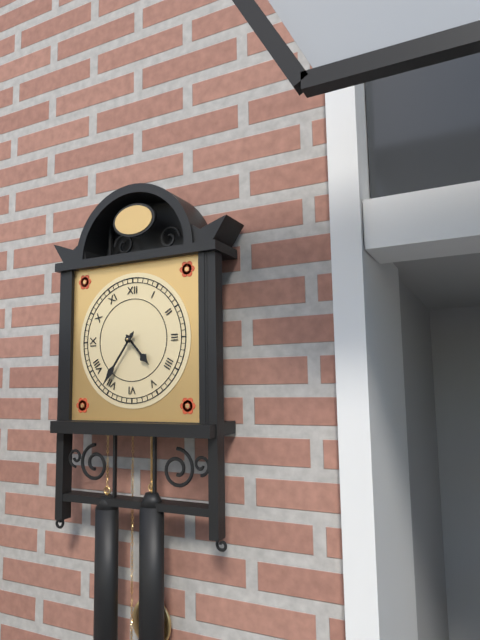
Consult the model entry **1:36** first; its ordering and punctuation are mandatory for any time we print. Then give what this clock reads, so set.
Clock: **4:36**
